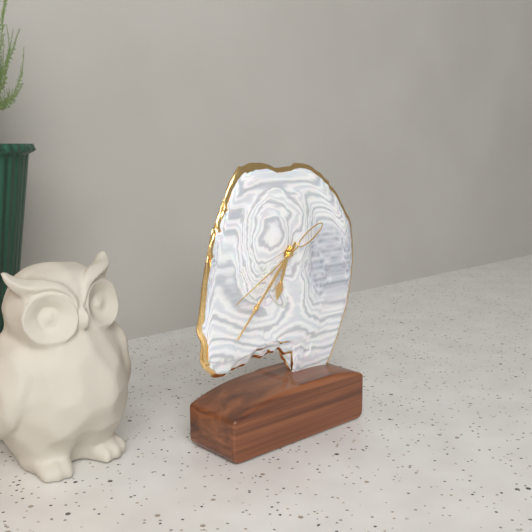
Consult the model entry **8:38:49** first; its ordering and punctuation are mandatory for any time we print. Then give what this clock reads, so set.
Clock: **6:37:40**
